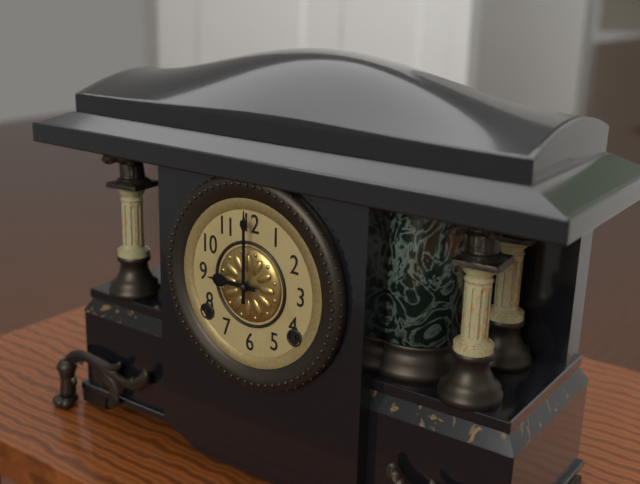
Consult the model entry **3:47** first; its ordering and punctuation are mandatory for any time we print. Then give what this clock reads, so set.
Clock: **9:00**
